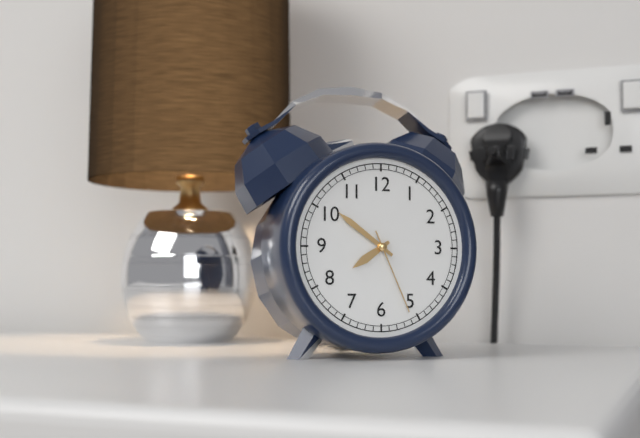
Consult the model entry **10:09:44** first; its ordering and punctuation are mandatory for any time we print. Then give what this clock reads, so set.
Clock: **7:51:26**
